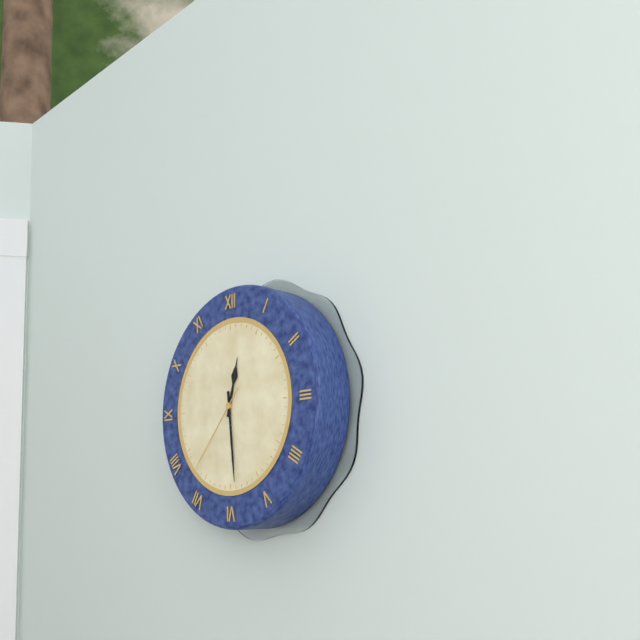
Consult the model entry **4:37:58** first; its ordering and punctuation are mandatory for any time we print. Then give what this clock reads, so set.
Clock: **12:29:37**
